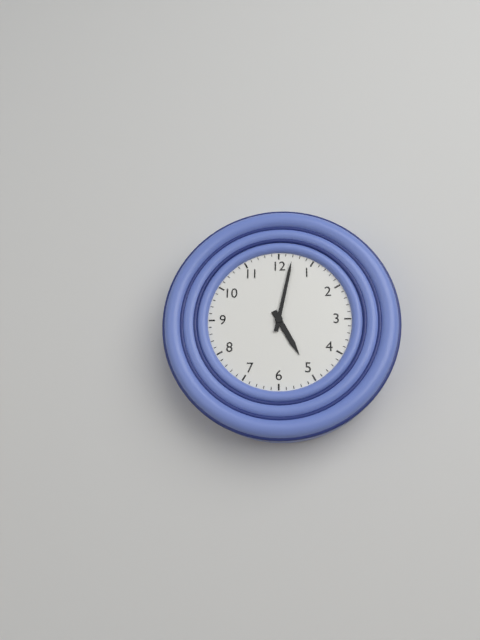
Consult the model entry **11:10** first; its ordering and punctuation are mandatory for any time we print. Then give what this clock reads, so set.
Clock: **5:02**
